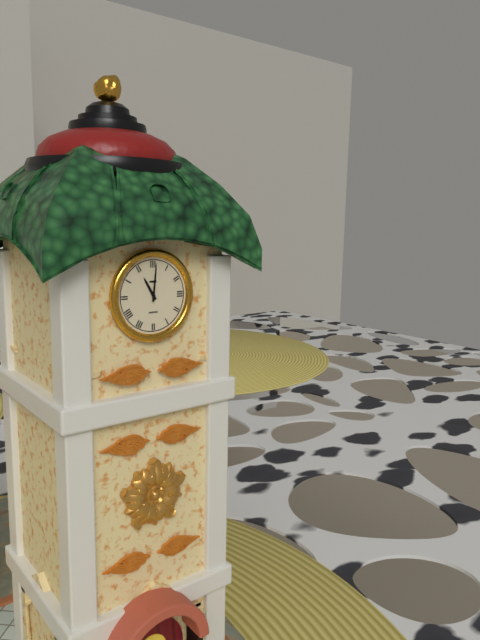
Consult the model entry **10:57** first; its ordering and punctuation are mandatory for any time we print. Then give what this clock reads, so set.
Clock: **11:01**
